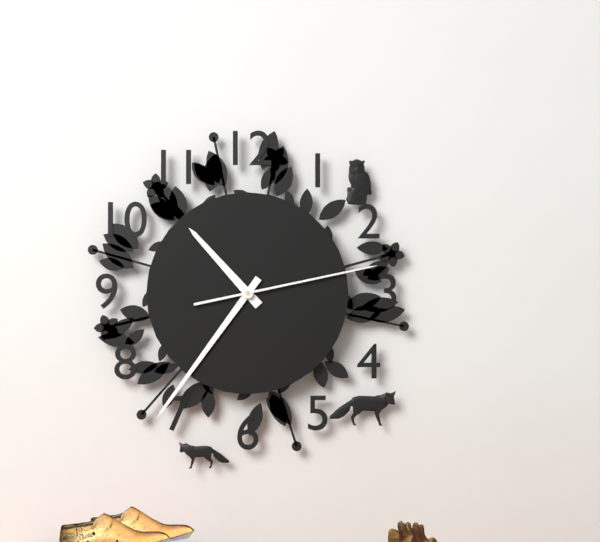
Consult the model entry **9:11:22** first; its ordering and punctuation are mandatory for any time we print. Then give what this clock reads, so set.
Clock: **10:36:13**
